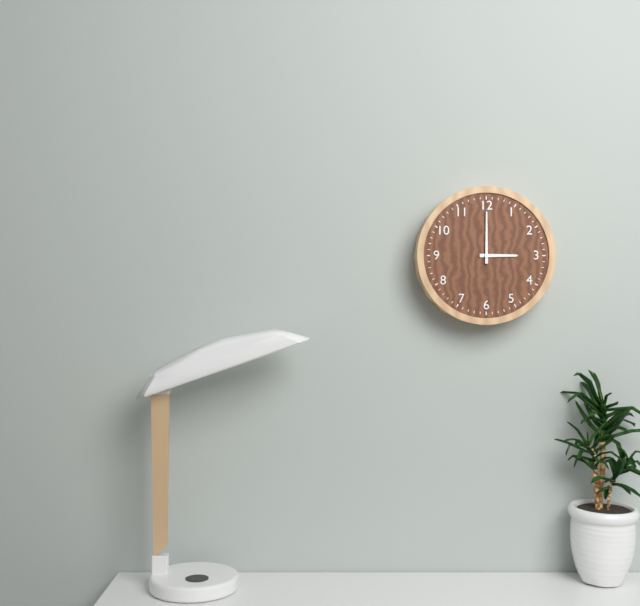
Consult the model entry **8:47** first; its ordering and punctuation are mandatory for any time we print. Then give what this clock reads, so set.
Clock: **3:00**
